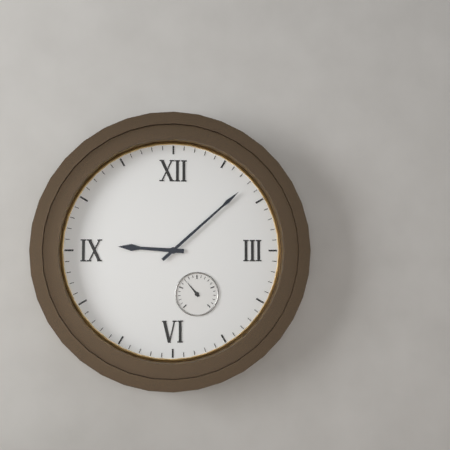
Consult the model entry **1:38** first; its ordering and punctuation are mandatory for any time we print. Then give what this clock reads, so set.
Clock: **9:08**
